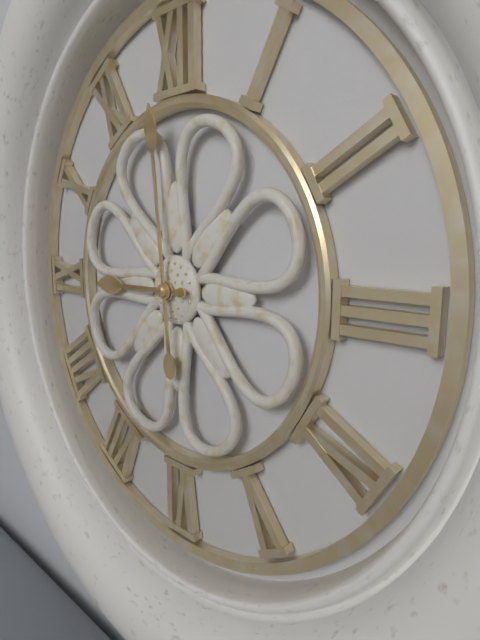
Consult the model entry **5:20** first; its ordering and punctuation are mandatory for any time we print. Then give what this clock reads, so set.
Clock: **8:59**
